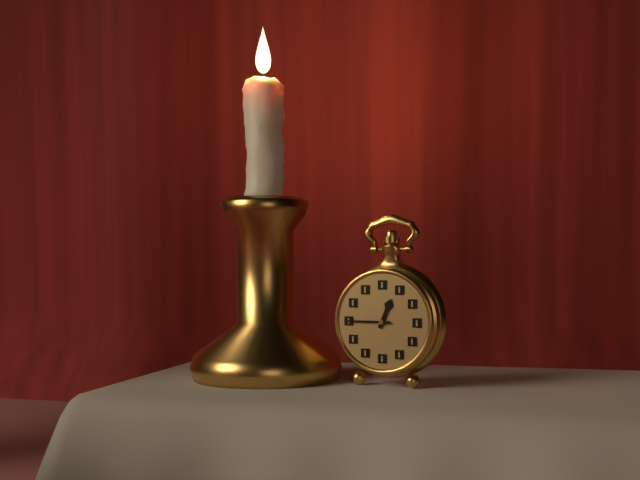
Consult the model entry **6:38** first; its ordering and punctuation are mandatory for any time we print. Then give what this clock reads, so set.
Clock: **12:45**
